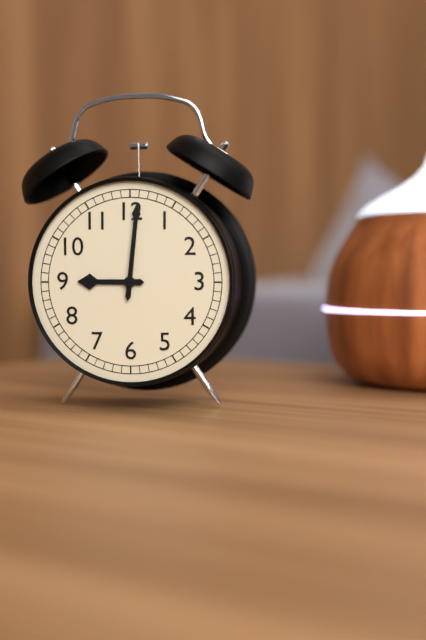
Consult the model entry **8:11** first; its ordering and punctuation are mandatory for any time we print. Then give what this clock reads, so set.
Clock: **9:01**
